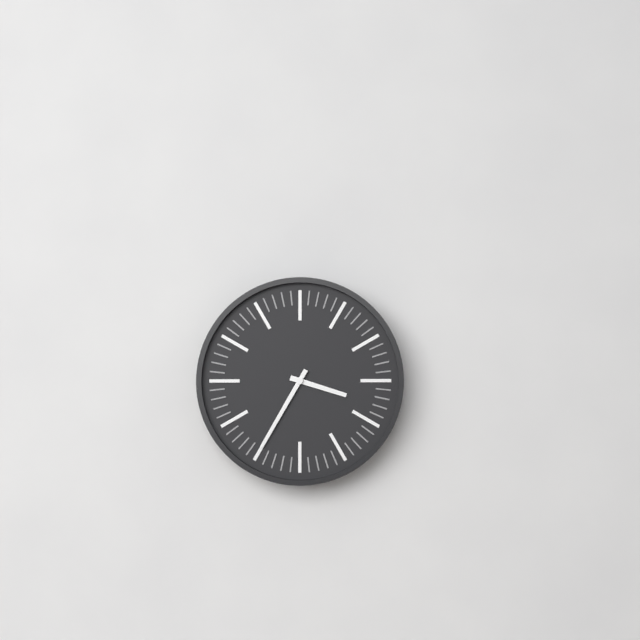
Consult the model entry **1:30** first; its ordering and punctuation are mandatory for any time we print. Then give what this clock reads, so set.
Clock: **3:35**
